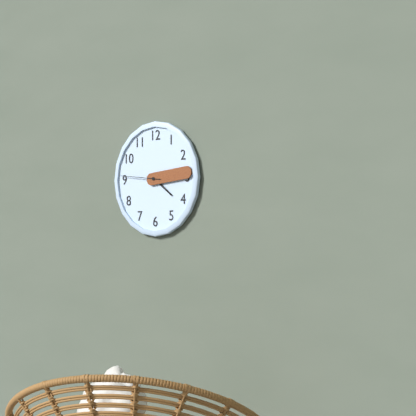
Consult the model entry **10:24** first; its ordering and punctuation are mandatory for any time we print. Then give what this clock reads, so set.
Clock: **4:14**
